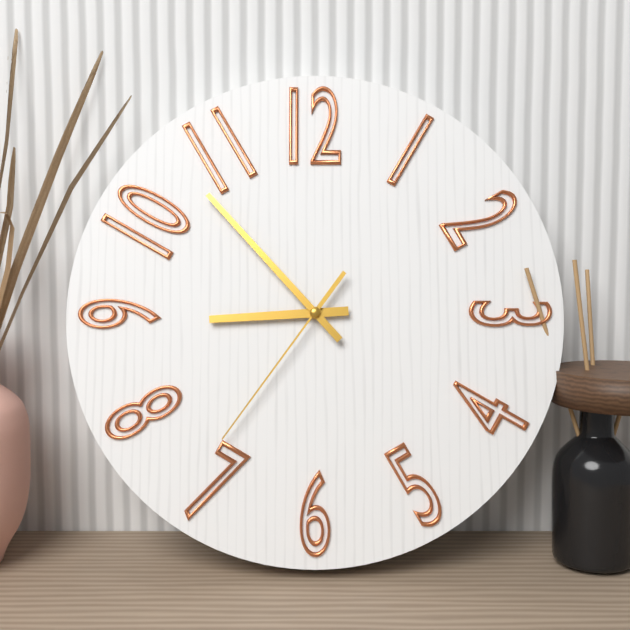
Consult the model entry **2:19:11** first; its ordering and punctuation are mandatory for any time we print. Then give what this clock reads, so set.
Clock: **8:53:36**
